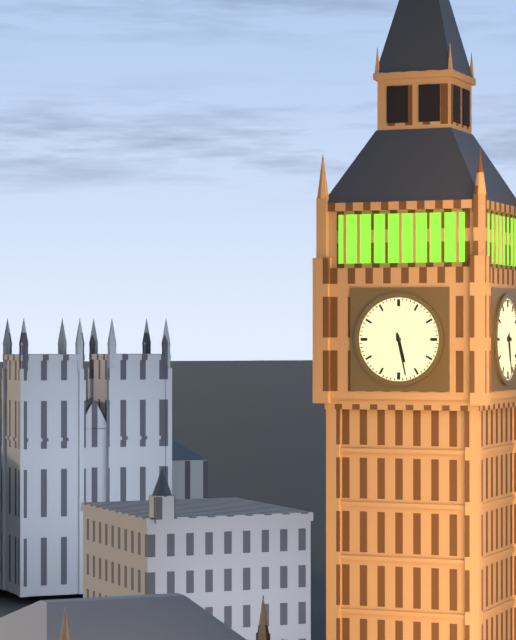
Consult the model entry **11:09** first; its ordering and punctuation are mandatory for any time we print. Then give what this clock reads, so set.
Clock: **5:28**
